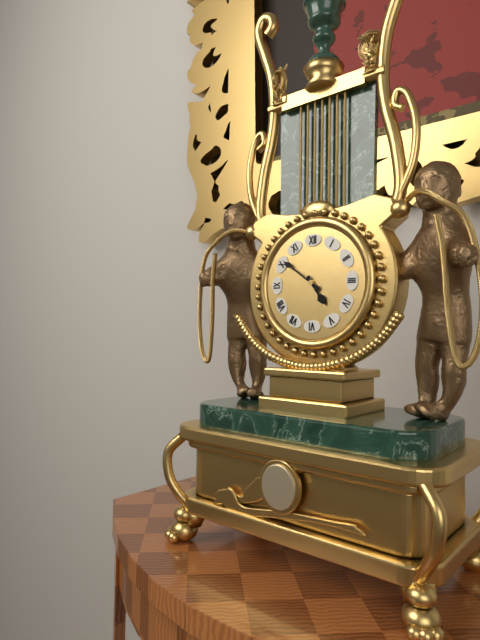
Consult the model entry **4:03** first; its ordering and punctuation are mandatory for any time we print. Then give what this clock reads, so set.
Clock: **4:51**
